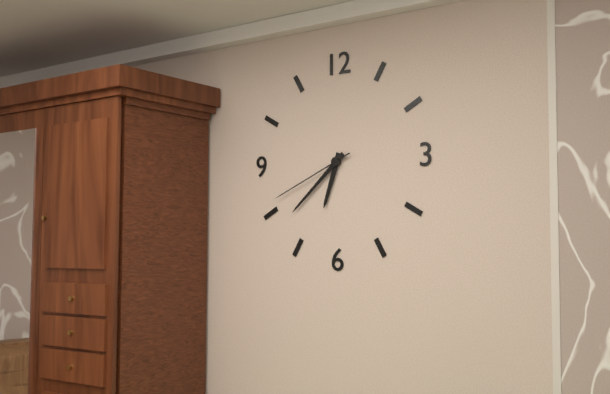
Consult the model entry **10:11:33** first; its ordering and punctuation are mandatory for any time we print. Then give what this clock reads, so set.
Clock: **6:38:41**
